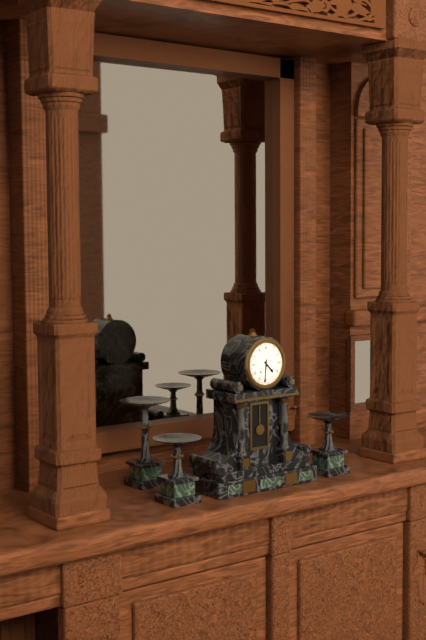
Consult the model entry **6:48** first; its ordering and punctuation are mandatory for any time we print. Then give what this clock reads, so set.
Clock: **4:31**
